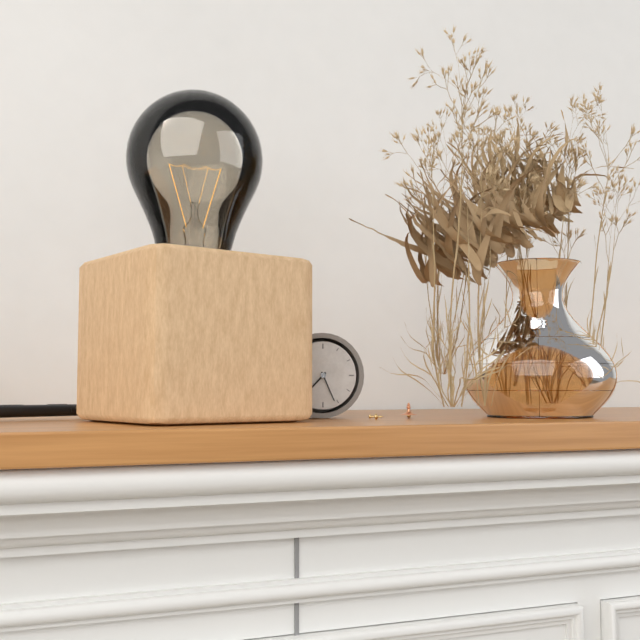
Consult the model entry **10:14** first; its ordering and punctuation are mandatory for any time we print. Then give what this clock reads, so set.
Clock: **7:26**
